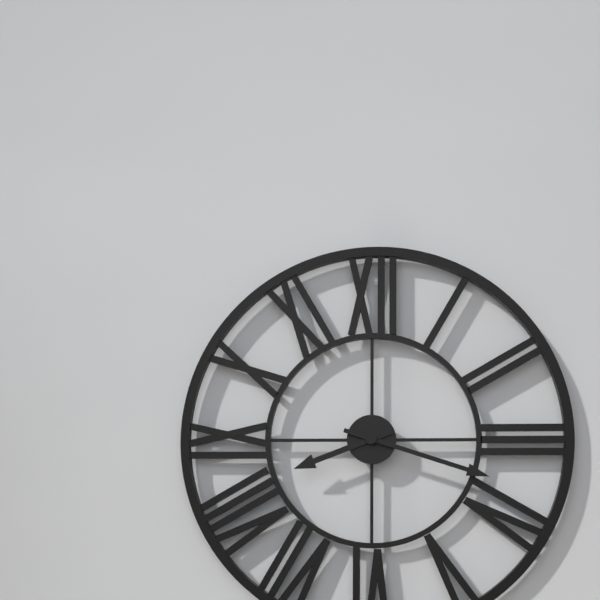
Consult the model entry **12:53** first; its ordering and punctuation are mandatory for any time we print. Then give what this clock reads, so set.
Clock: **8:18**
